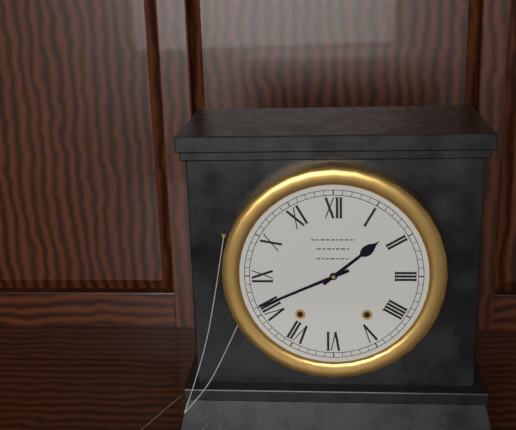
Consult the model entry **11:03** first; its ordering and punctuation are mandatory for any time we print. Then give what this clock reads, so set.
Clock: **1:41**
